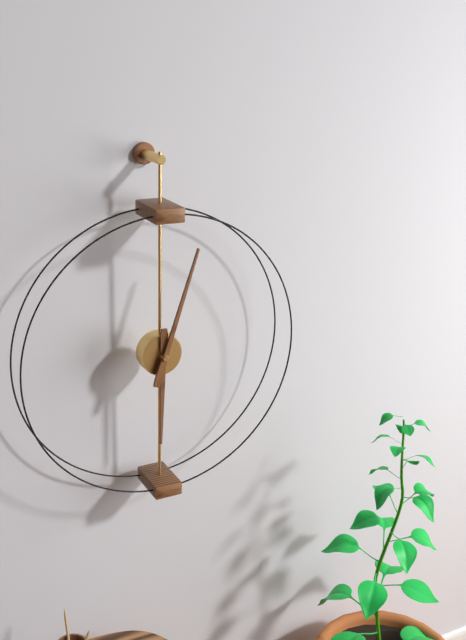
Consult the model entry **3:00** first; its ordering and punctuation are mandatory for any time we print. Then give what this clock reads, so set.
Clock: **6:03**
